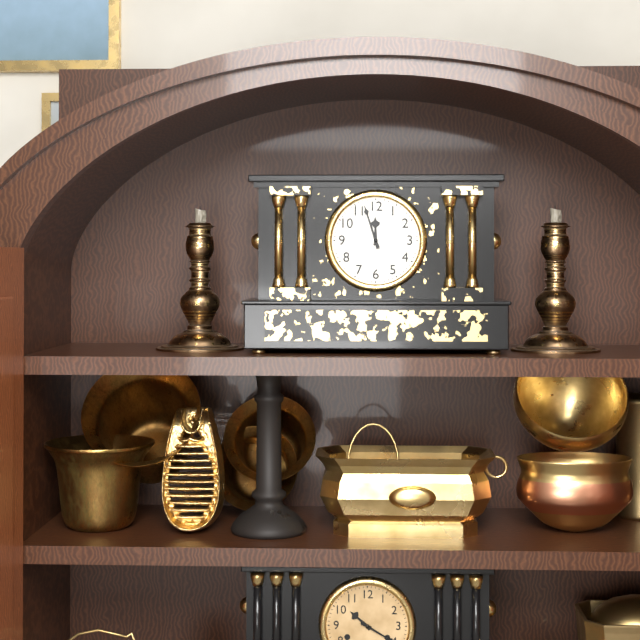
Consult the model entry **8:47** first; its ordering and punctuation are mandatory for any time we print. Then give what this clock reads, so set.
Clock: **11:57**
